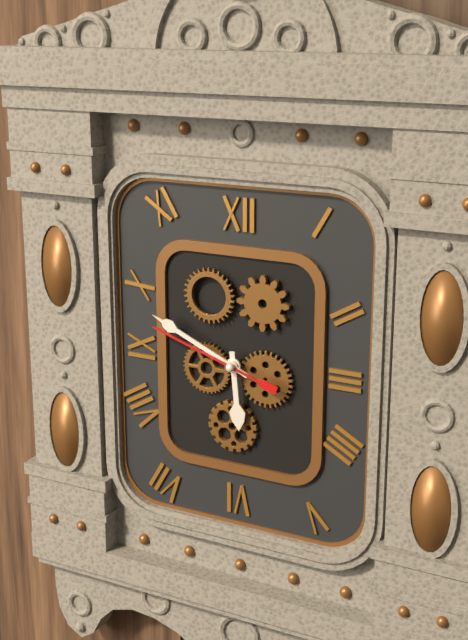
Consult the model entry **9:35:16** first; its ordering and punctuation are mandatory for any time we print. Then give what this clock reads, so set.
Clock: **5:49:48**
